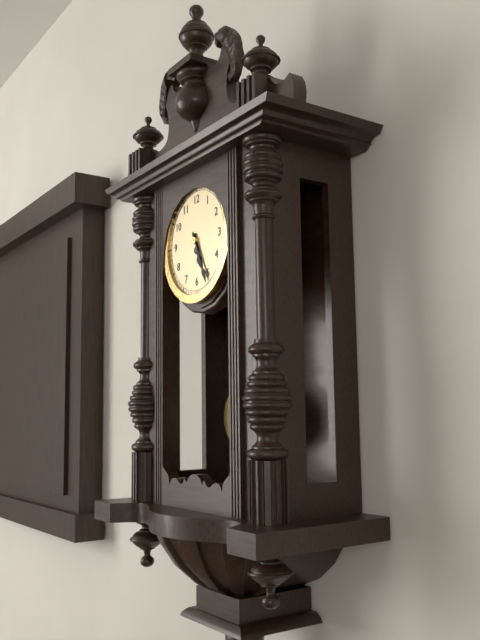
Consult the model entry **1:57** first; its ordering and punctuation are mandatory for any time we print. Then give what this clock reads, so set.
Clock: **5:26**
